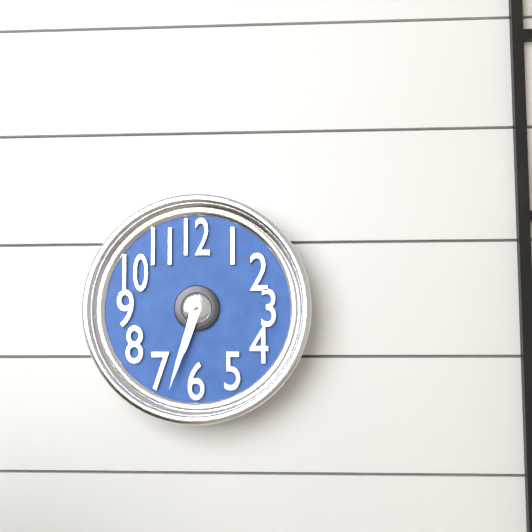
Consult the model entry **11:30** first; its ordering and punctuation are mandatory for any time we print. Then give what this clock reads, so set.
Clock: **6:33**
